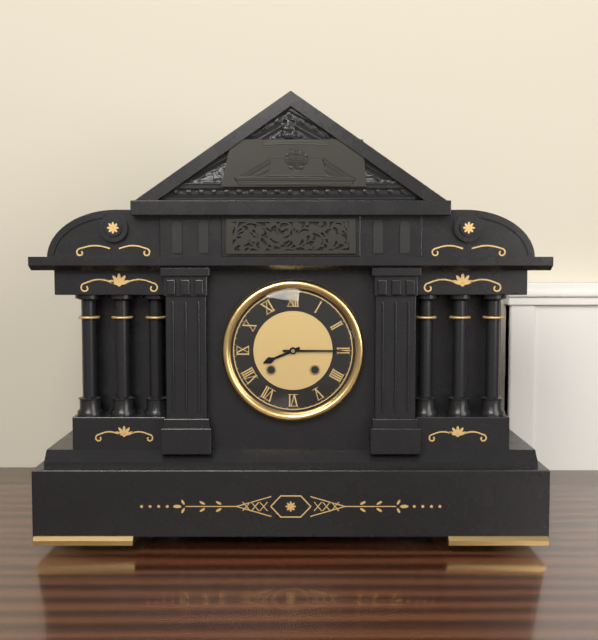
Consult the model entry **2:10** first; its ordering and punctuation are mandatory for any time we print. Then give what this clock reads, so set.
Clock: **8:15**
